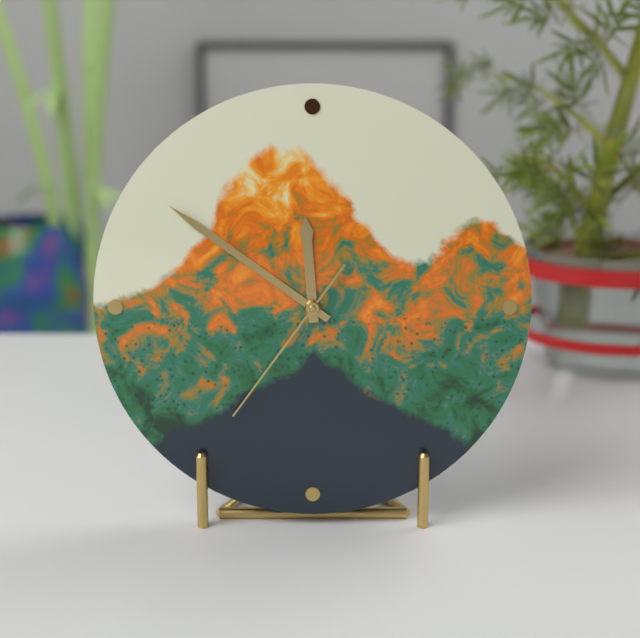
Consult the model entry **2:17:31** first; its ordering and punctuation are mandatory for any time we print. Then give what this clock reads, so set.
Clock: **11:51:36**
